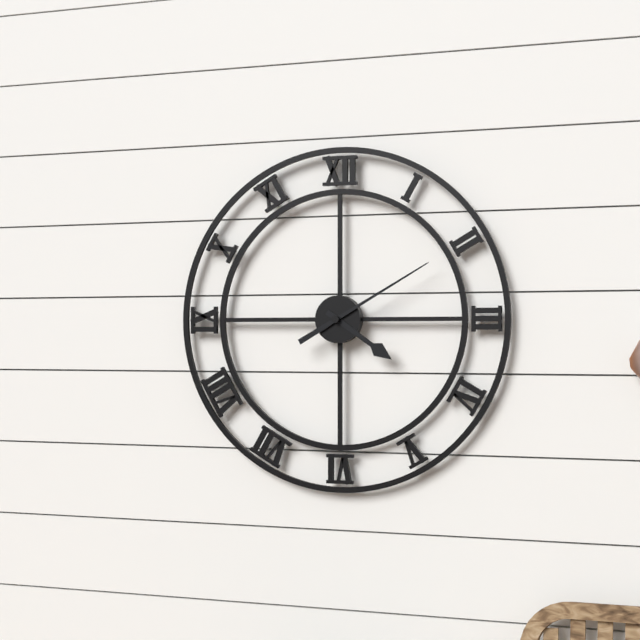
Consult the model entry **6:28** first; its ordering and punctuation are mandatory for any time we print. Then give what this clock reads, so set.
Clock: **4:10**
